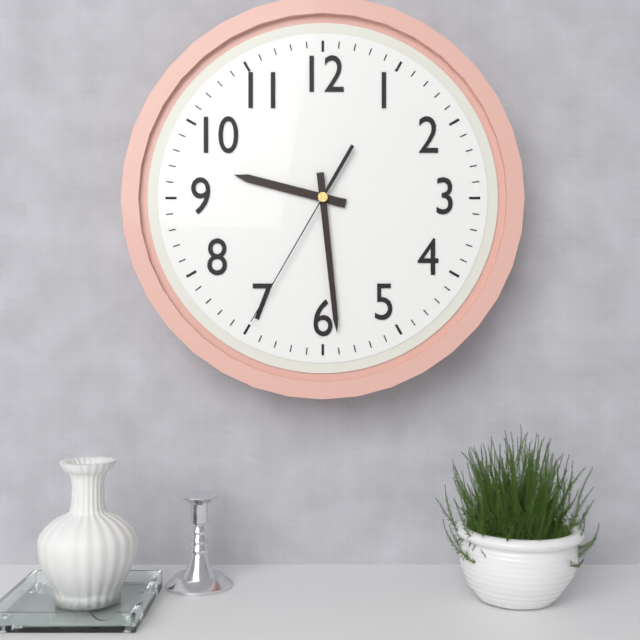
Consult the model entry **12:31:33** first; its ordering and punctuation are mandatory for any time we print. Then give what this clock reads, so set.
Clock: **9:29:35**
